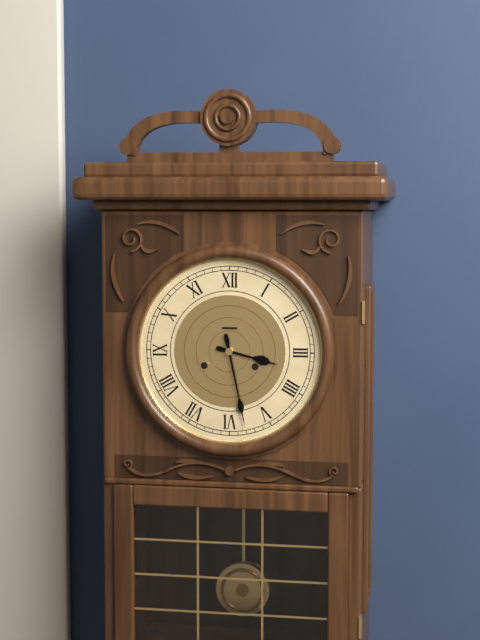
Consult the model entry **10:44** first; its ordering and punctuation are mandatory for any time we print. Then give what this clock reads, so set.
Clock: **3:28**
